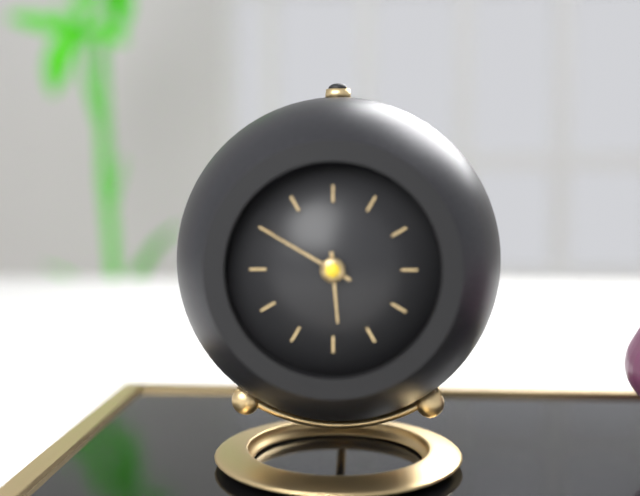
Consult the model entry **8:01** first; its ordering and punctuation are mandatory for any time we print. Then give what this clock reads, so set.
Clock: **5:50**
